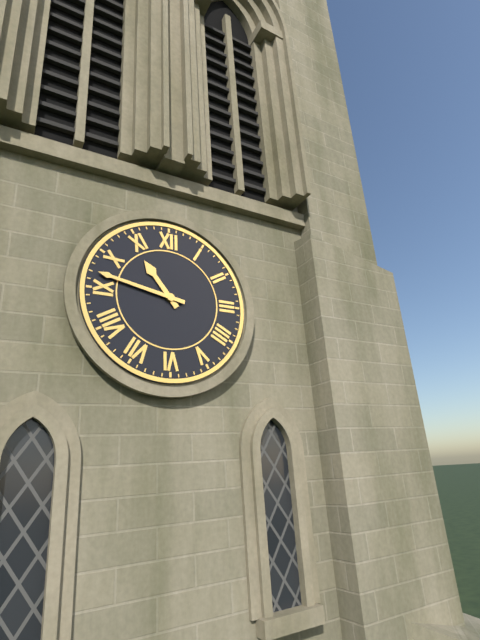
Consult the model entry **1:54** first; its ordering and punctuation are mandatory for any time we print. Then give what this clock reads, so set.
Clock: **10:47**
